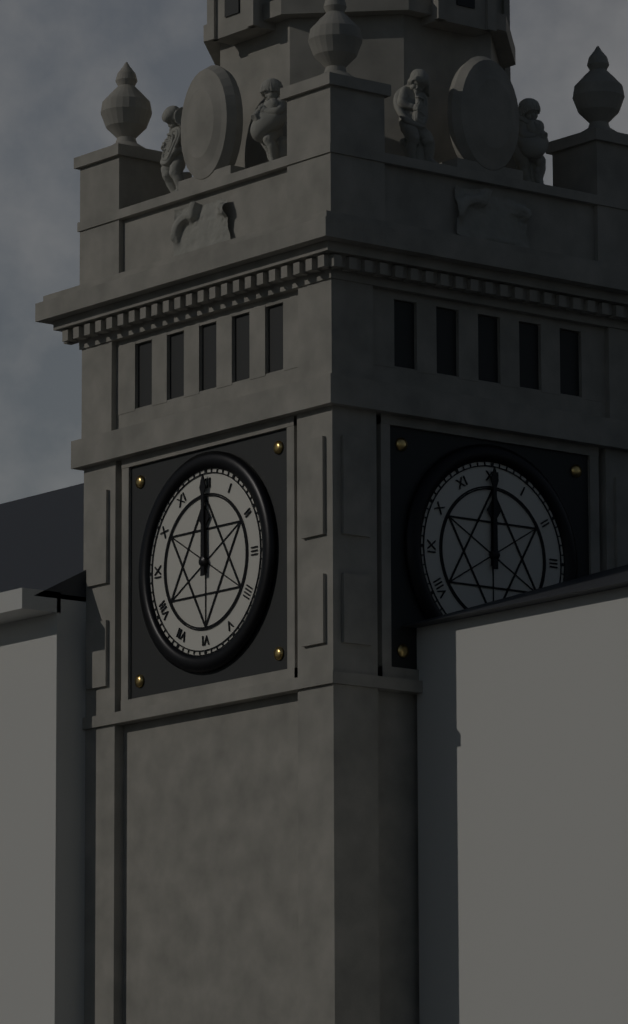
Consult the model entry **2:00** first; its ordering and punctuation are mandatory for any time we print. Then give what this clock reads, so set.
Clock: **12:00**
